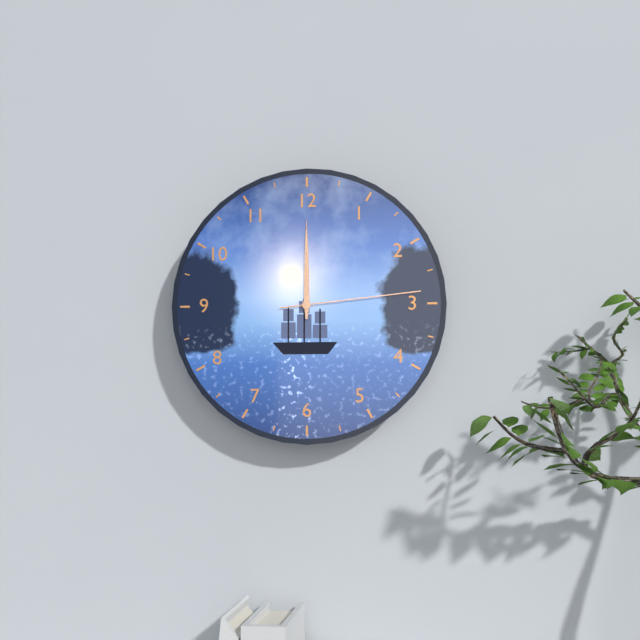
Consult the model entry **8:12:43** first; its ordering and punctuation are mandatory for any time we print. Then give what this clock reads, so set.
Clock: **12:00:14**
